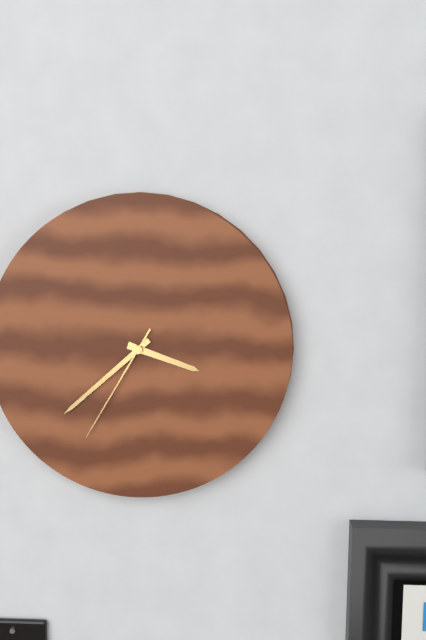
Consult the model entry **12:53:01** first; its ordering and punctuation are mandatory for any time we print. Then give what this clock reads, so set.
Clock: **3:38:35**
